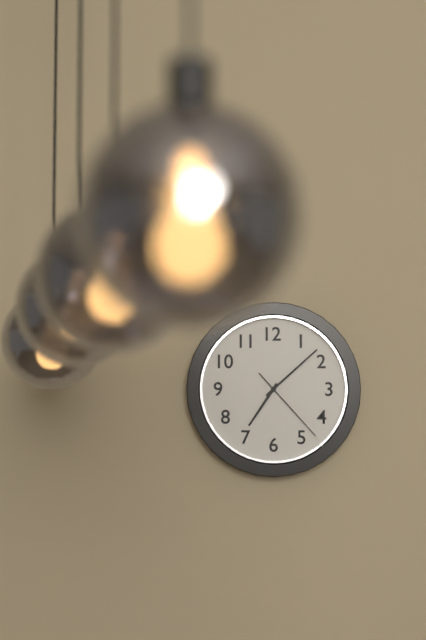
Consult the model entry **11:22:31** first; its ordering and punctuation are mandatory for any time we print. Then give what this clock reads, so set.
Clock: **7:08:23**
